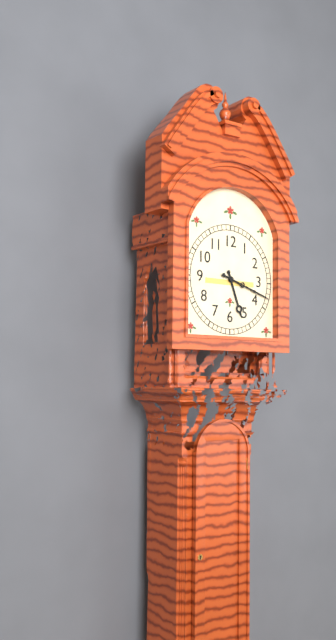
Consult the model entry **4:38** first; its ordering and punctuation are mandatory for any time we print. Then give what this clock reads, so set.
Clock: **5:18**
